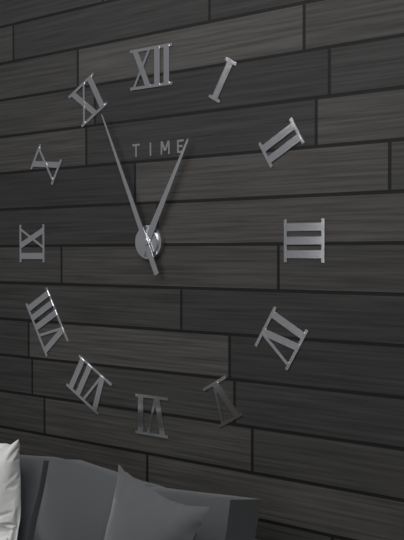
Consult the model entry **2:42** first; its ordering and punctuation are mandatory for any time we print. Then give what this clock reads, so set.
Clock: **12:56**
